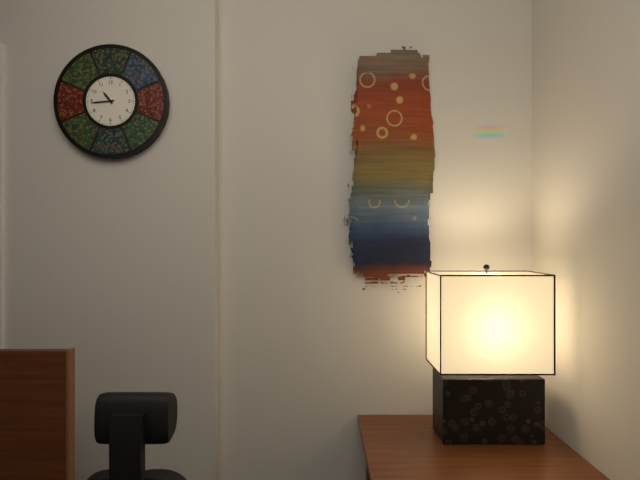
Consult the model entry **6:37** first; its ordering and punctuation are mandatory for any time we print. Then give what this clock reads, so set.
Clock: **10:44**
